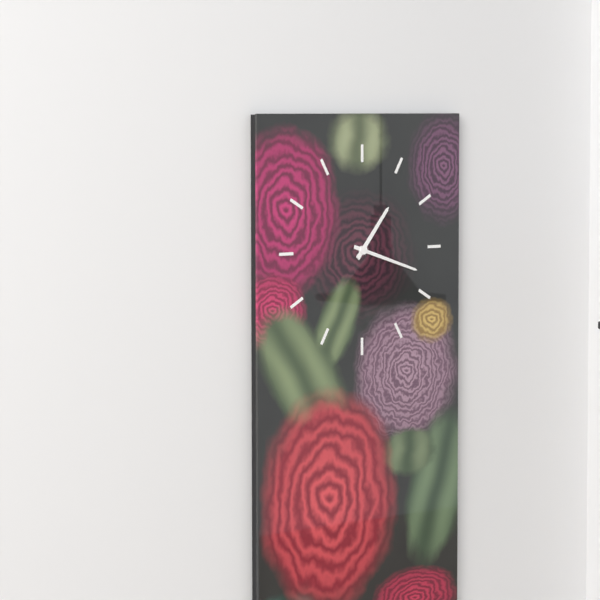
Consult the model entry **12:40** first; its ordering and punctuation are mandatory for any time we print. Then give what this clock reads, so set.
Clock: **1:18**
